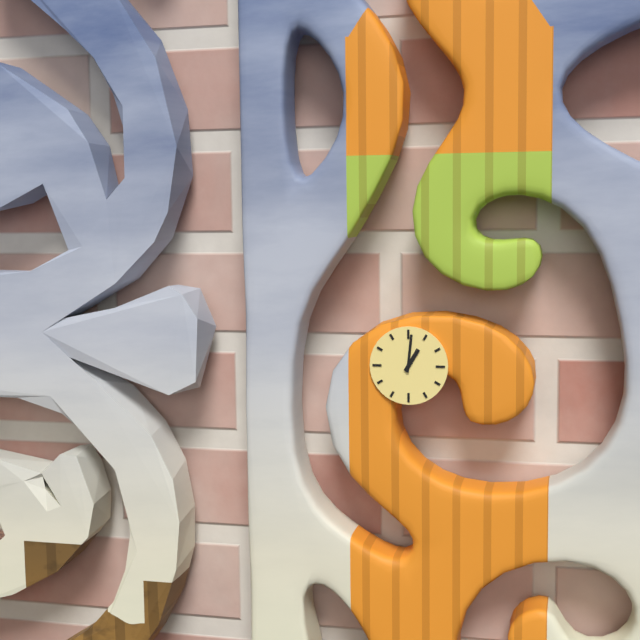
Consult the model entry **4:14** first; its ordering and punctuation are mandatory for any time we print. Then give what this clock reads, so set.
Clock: **1:01**
